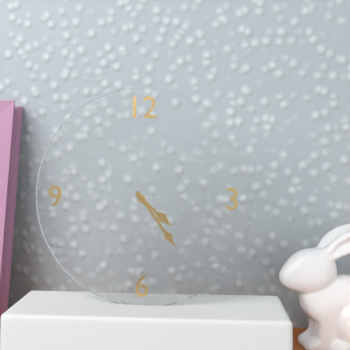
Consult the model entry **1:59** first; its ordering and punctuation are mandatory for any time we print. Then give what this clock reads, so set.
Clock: **4:24**
